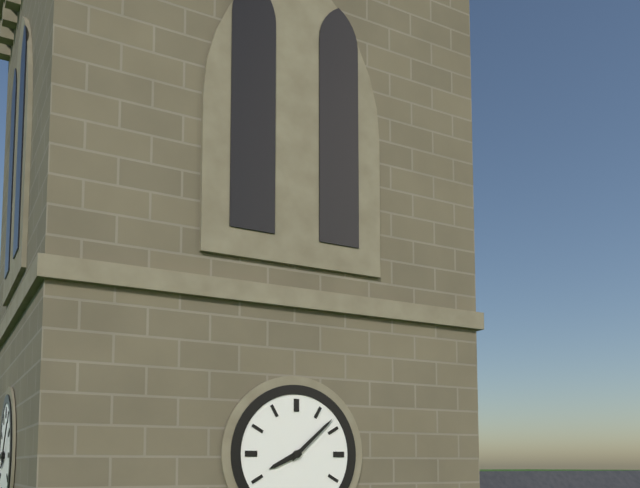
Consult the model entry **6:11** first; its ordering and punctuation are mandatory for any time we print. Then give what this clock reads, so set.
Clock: **8:08**
